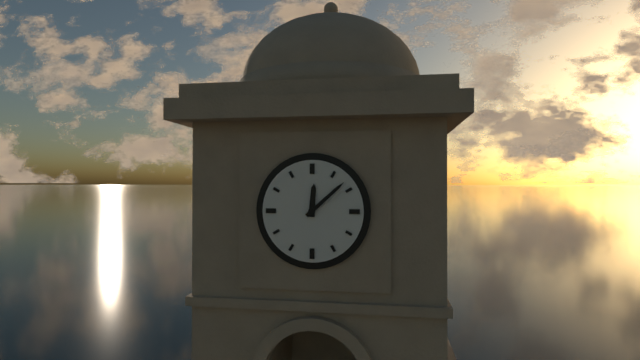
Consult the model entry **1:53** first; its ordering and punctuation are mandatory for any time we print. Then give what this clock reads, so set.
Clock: **12:08**
